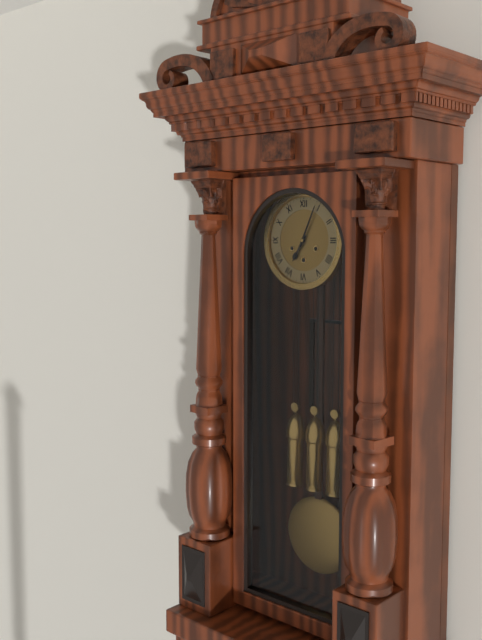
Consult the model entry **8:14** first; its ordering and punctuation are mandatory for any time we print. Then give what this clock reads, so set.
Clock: **7:04**
